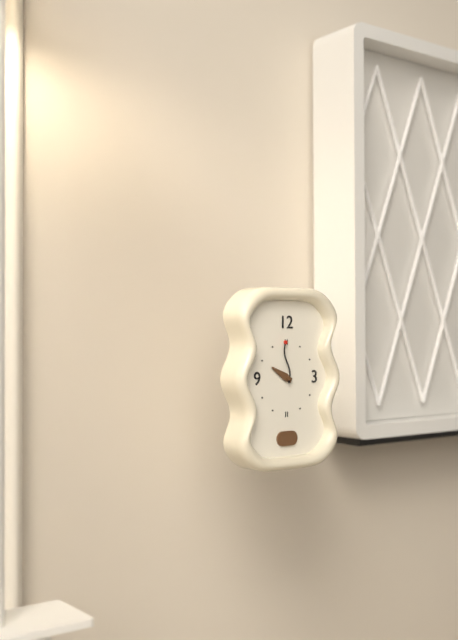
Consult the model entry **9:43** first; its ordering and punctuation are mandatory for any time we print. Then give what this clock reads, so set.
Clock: **9:59**
